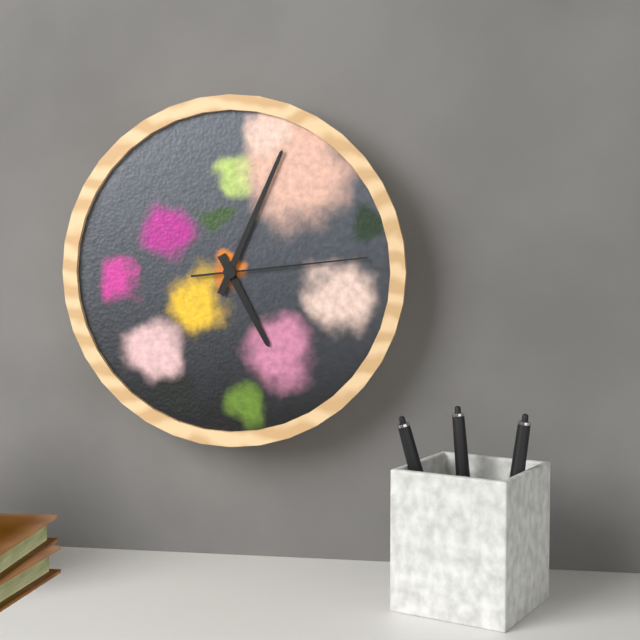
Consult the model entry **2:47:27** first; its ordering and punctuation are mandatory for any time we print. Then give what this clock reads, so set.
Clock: **5:04:14**
